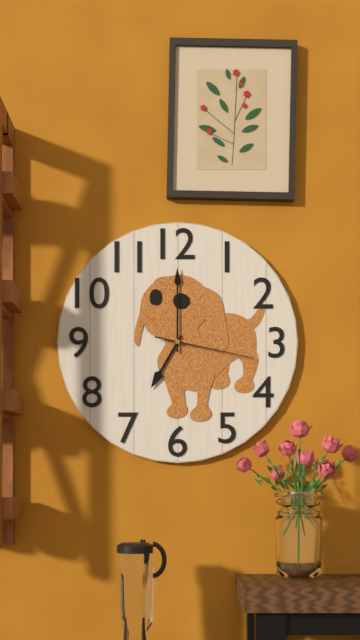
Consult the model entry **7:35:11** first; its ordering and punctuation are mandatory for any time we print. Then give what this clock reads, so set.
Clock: **7:00:17**
